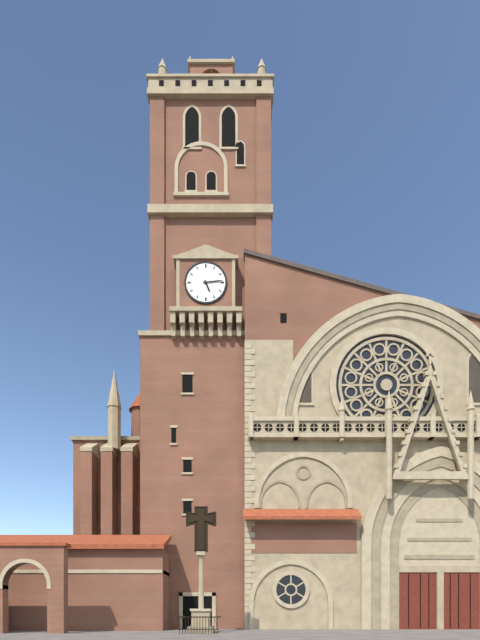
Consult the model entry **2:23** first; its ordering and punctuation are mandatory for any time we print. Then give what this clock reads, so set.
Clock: **5:14**
